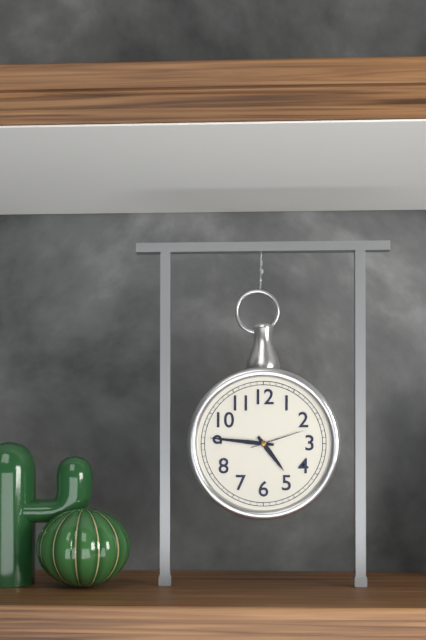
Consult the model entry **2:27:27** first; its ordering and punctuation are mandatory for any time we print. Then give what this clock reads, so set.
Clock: **4:46:12**
